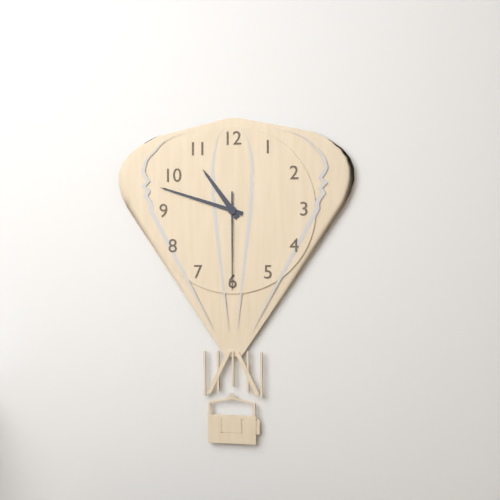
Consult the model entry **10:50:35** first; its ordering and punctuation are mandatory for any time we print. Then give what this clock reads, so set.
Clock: **10:48:30**
